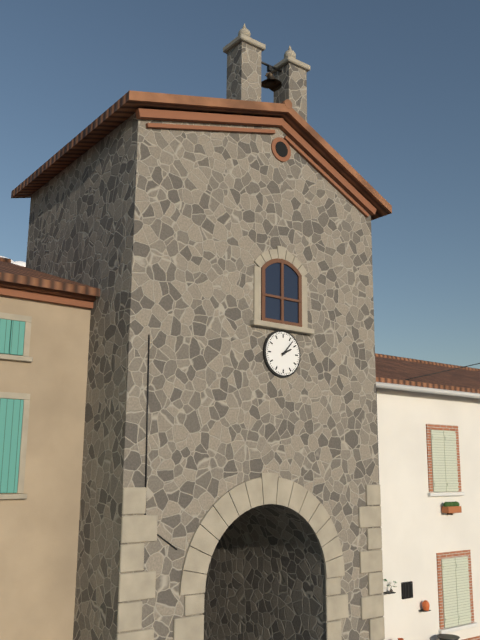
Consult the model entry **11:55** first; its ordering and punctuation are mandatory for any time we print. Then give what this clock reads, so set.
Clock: **2:07**
